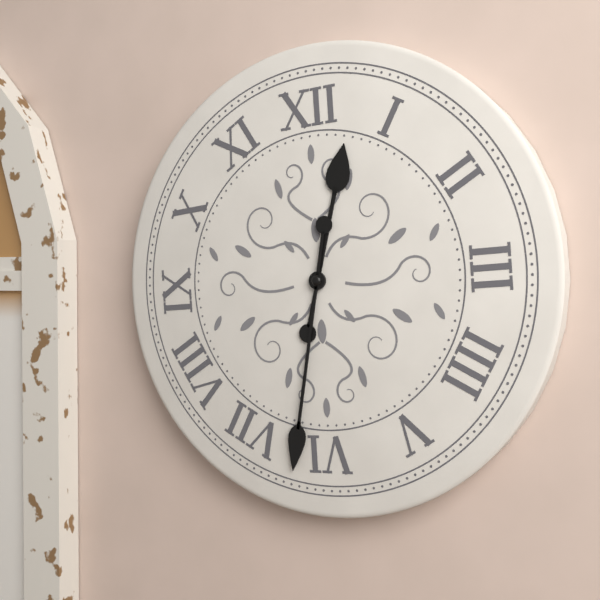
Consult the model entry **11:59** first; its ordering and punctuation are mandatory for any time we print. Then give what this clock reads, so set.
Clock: **12:32**
